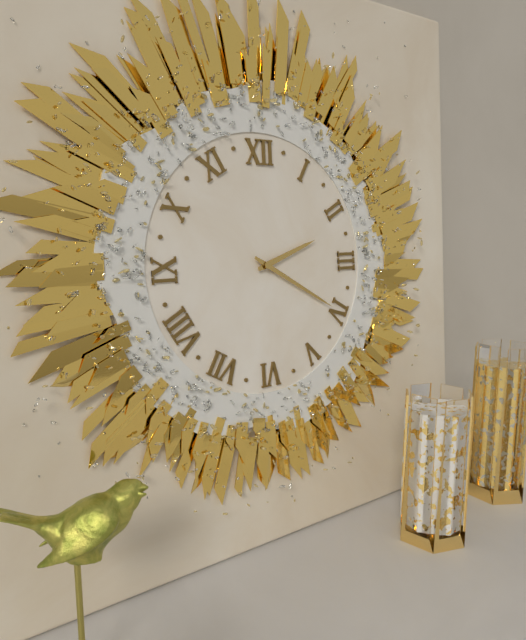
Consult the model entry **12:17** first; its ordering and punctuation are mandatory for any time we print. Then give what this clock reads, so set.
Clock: **2:20**
